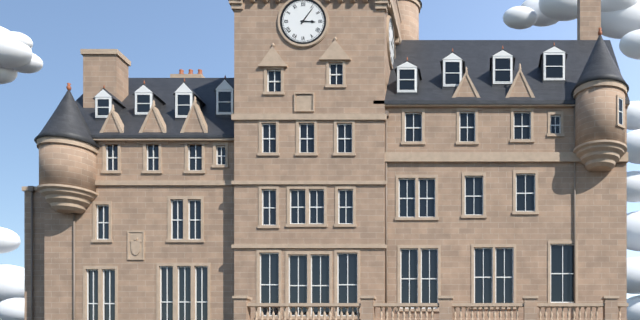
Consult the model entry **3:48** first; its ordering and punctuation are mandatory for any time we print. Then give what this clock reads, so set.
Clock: **3:06**
